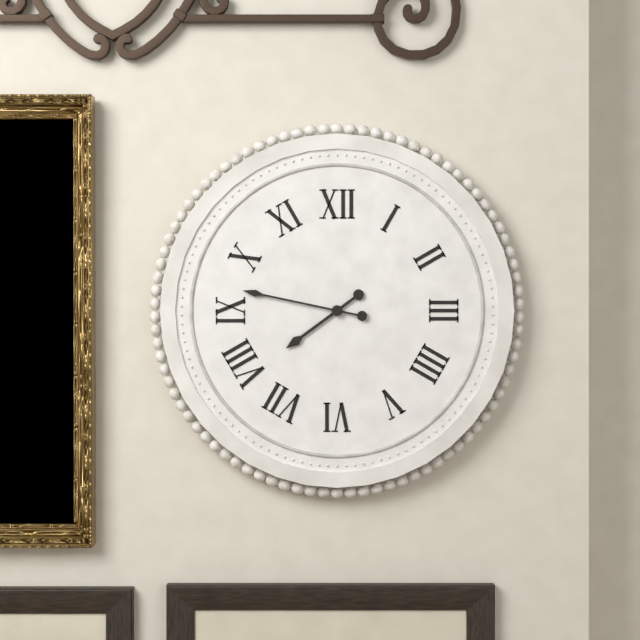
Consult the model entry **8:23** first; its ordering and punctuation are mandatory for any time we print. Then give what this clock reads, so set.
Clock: **7:47**
